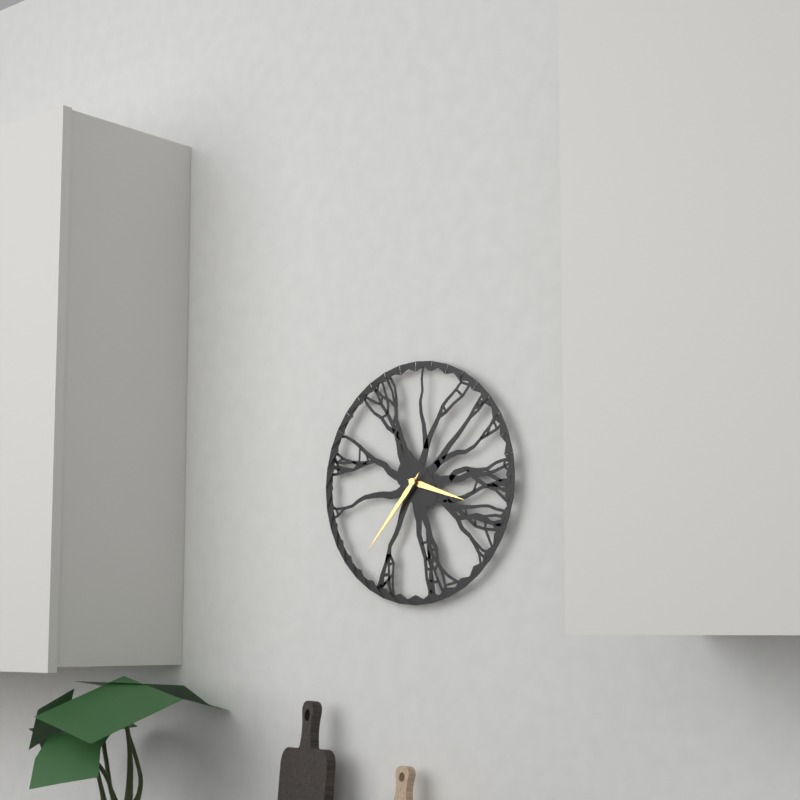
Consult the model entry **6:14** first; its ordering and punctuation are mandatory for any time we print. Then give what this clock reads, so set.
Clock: **3:37**
